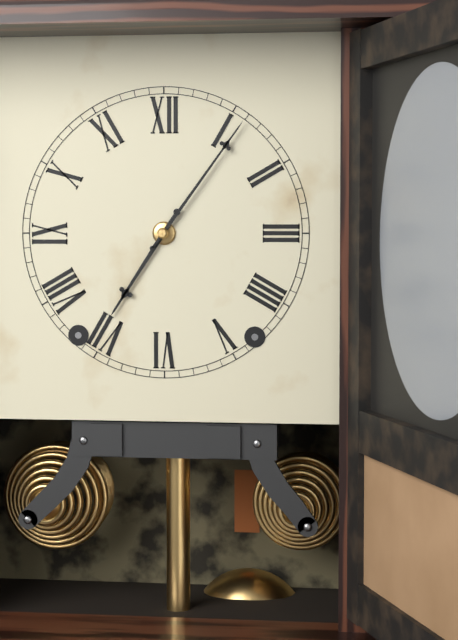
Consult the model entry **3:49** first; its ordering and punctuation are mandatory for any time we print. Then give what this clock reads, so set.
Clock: **7:06**
